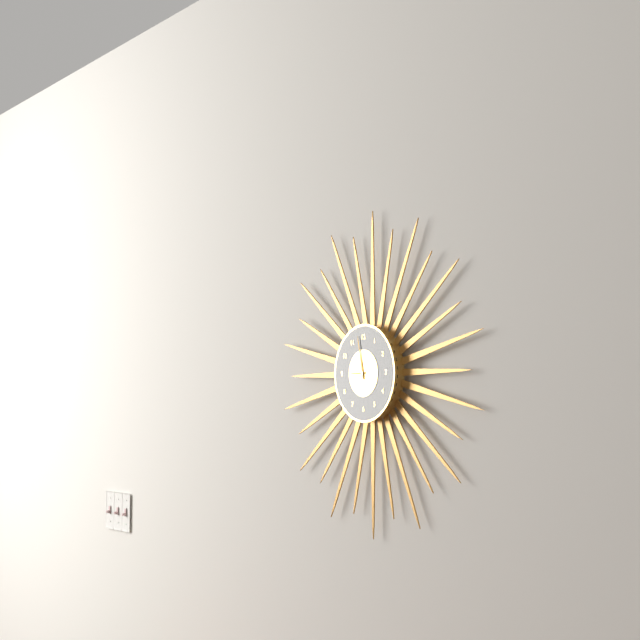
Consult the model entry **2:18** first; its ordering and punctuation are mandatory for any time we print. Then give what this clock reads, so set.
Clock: **8:58**
